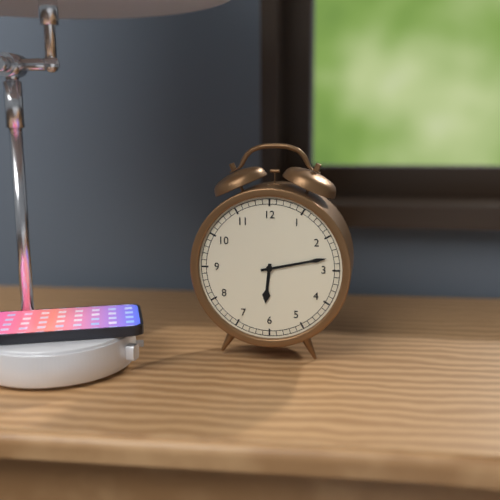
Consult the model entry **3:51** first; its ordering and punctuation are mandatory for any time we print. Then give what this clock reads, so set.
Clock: **6:13**
